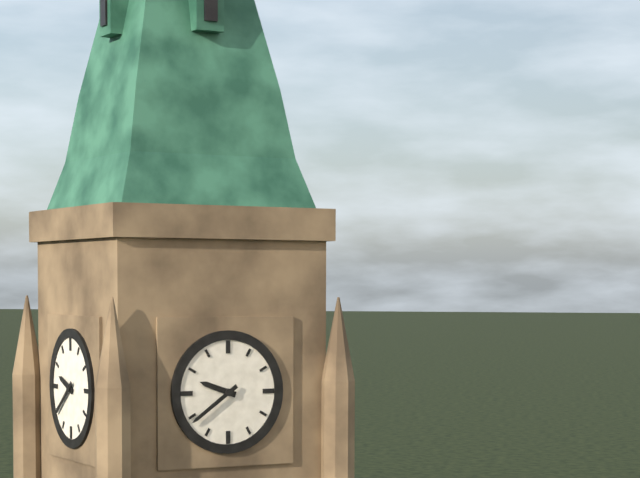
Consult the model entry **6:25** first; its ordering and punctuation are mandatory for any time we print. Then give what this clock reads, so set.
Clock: **9:39**
